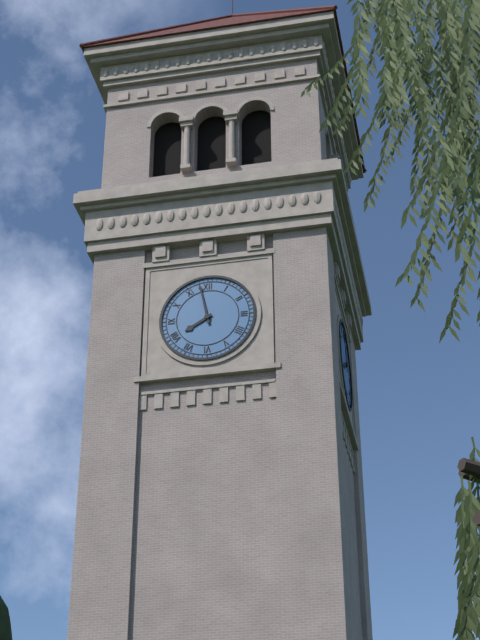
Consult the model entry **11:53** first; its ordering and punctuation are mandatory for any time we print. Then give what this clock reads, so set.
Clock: **7:58**
